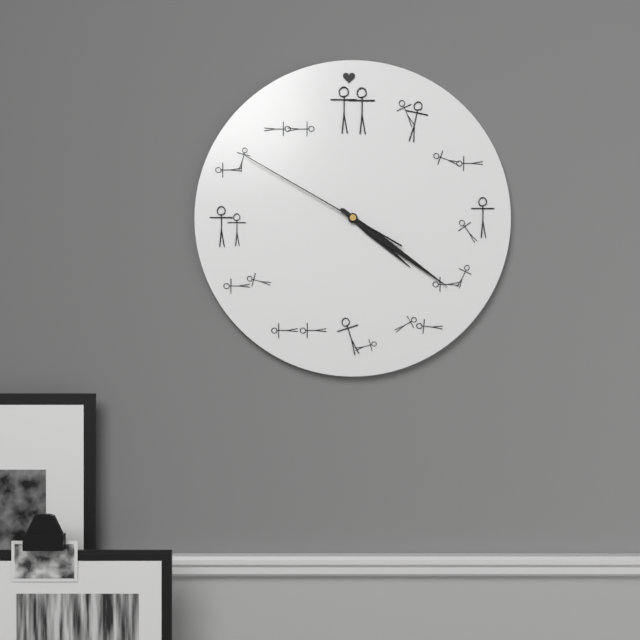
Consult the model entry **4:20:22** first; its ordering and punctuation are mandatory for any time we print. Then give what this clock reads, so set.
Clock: **4:21:50**
